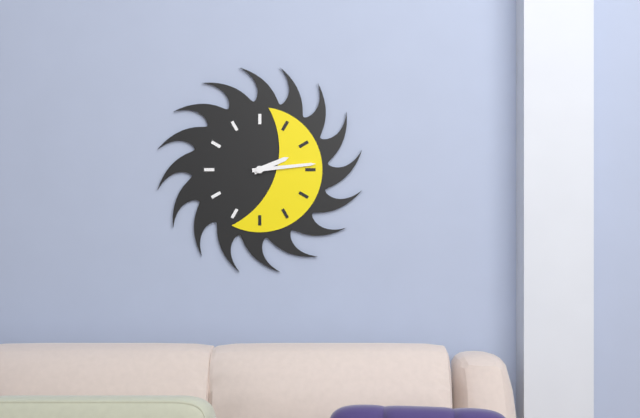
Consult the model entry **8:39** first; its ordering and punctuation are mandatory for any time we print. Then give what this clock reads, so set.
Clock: **2:14**
